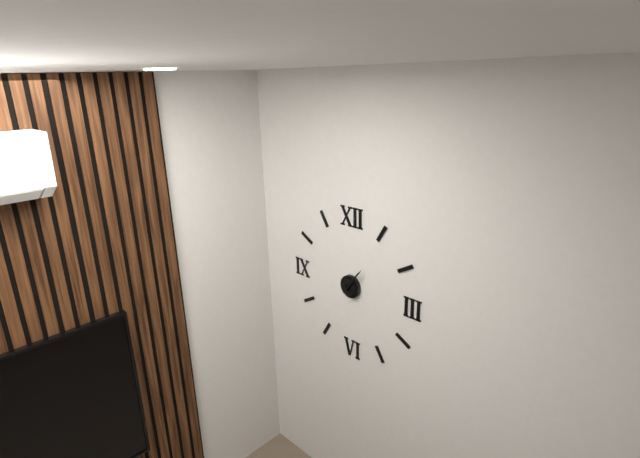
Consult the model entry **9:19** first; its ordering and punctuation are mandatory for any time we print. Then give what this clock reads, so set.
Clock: **1:06**
